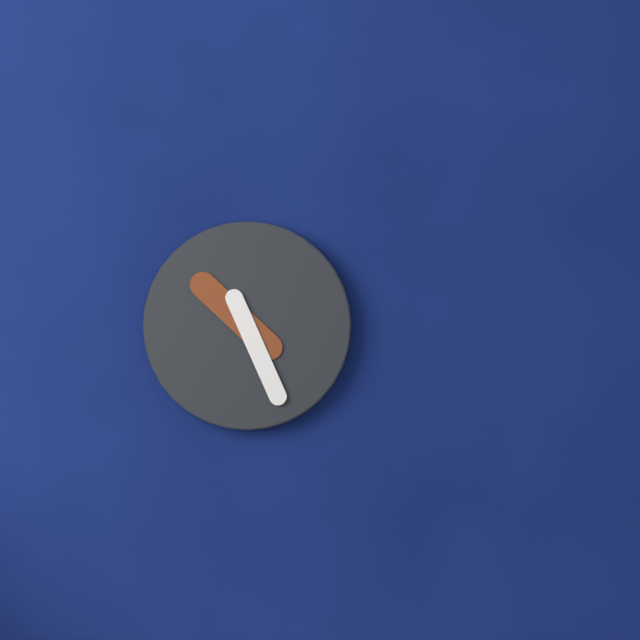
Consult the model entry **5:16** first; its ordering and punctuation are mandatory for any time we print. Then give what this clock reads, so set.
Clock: **10:26**
